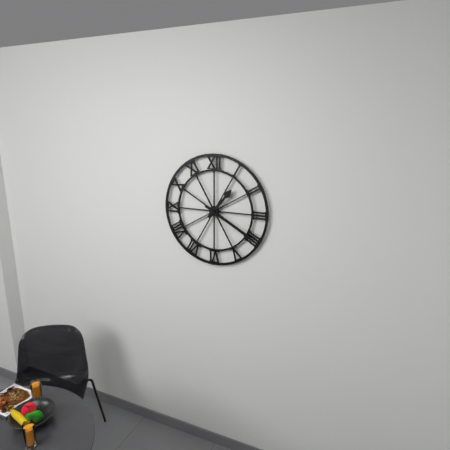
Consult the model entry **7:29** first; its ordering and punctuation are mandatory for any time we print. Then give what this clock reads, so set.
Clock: **1:20**
